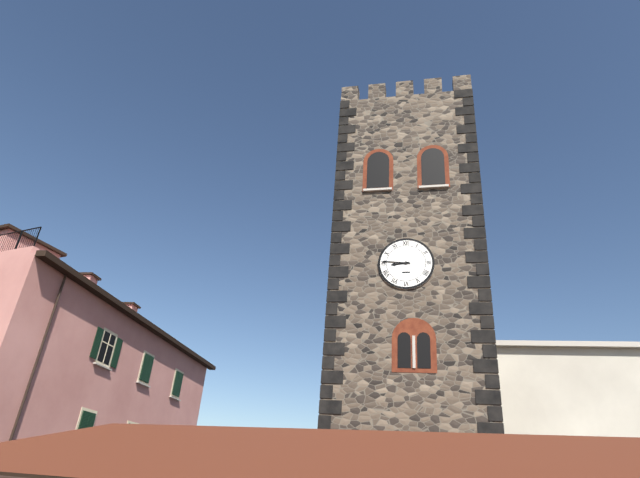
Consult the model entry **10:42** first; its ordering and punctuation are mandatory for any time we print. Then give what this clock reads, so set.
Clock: **8:46**
